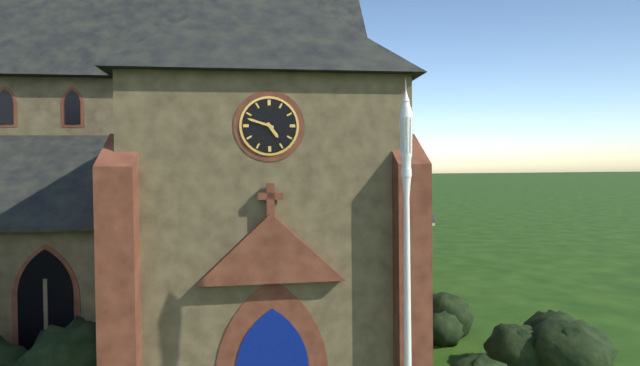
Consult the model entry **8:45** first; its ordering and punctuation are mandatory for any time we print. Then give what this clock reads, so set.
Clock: **4:48**
